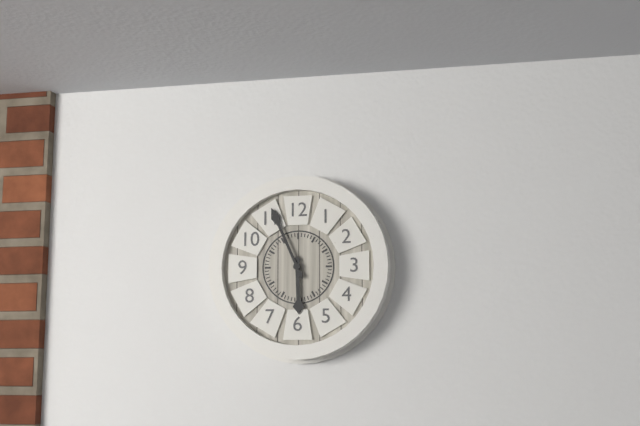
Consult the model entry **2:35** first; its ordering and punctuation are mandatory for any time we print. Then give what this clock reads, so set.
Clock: **5:56**
